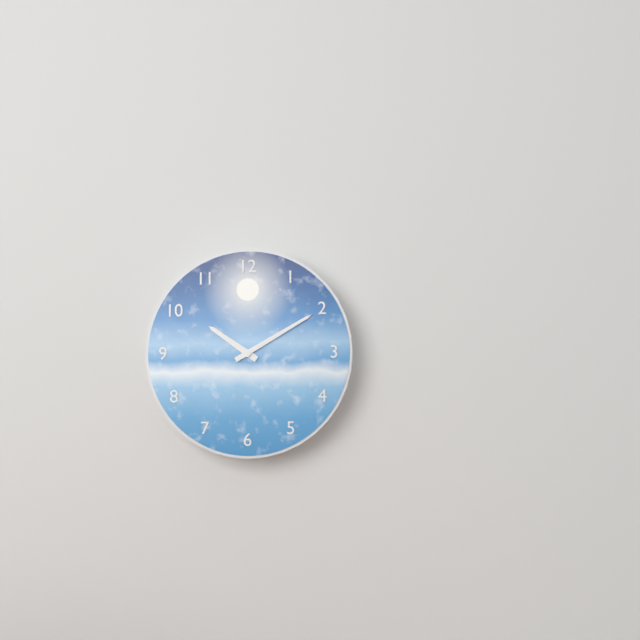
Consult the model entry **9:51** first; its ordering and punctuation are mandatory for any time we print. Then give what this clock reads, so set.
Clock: **10:10**
